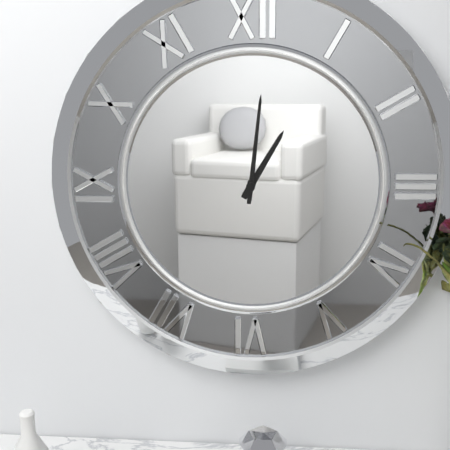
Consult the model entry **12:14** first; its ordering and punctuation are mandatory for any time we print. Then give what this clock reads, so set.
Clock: **1:01**
